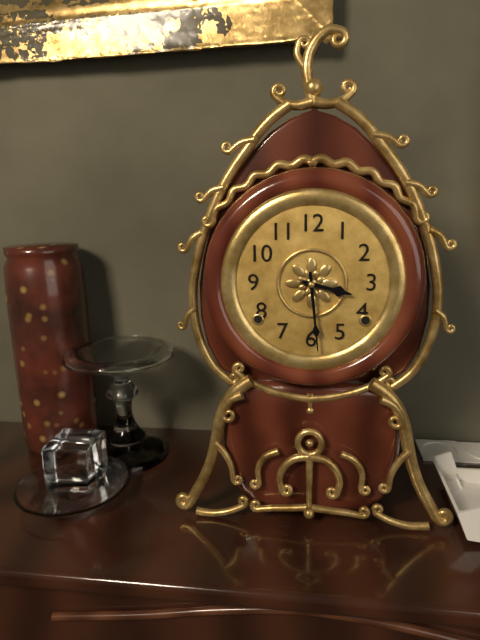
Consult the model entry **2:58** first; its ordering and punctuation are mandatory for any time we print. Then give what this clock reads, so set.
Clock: **3:29**
